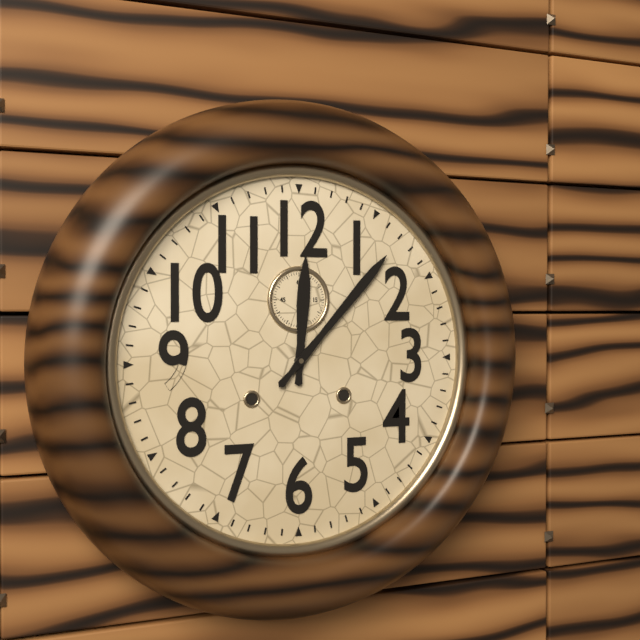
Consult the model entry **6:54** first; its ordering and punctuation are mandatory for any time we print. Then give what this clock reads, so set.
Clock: **12:07**
